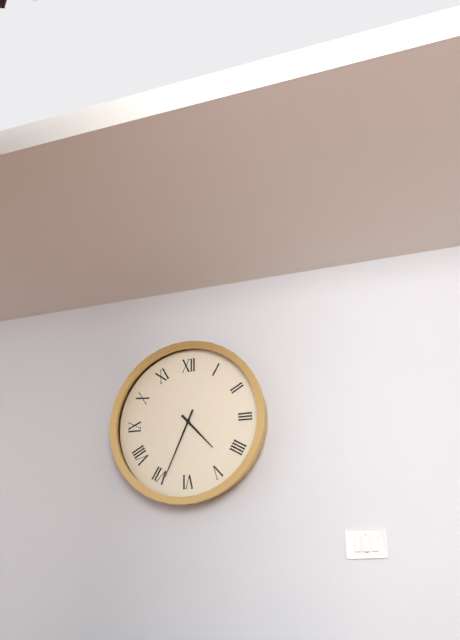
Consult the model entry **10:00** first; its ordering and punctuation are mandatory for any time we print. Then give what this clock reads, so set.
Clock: **4:34**
